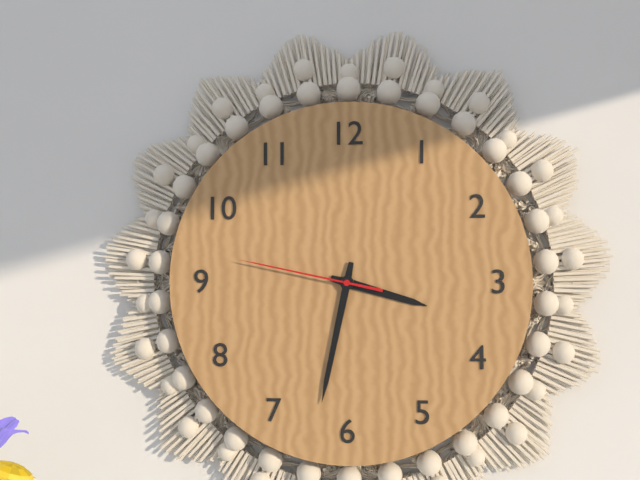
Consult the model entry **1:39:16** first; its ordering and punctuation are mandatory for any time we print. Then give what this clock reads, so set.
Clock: **3:32:47**
